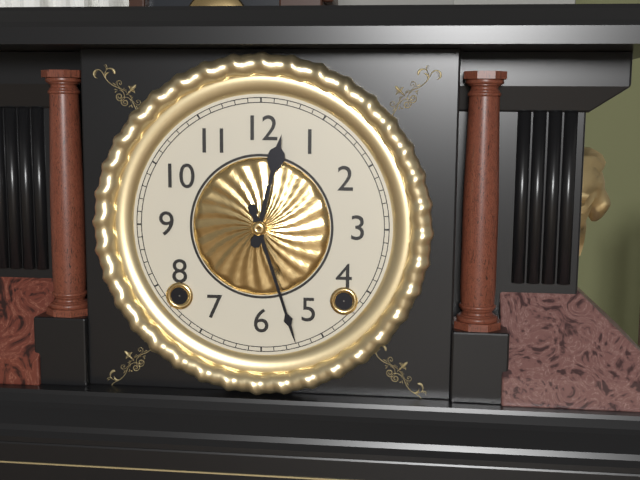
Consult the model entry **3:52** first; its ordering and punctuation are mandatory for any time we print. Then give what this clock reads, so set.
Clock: **12:27**
